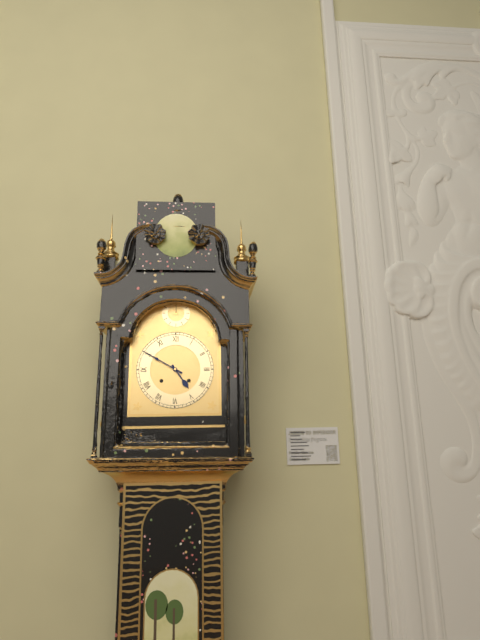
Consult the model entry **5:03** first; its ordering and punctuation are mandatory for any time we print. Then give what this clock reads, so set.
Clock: **4:50**
